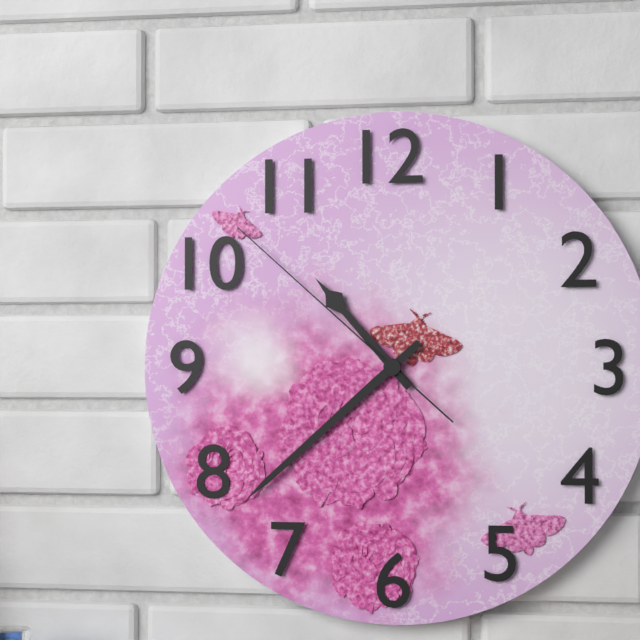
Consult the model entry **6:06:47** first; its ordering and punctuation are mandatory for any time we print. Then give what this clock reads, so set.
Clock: **10:38:52**
